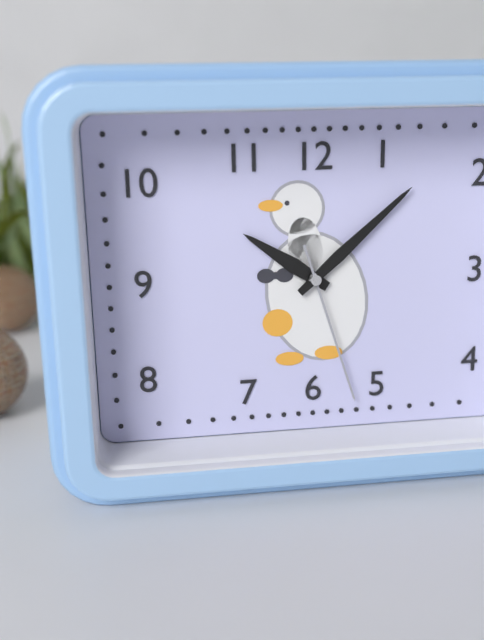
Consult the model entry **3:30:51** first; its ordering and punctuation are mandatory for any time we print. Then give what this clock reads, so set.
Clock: **10:08:27**
